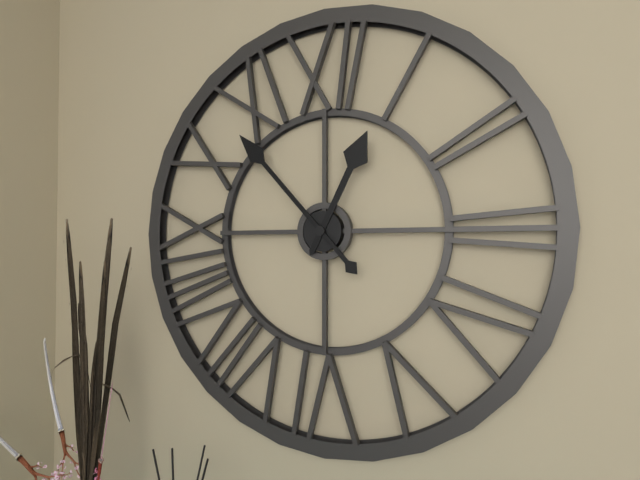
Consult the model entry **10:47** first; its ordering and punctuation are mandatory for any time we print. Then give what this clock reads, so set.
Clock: **12:53**
